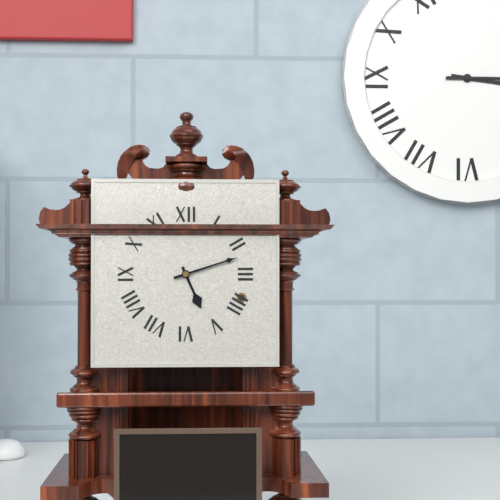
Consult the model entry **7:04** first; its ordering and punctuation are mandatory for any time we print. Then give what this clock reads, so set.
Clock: **5:12**
